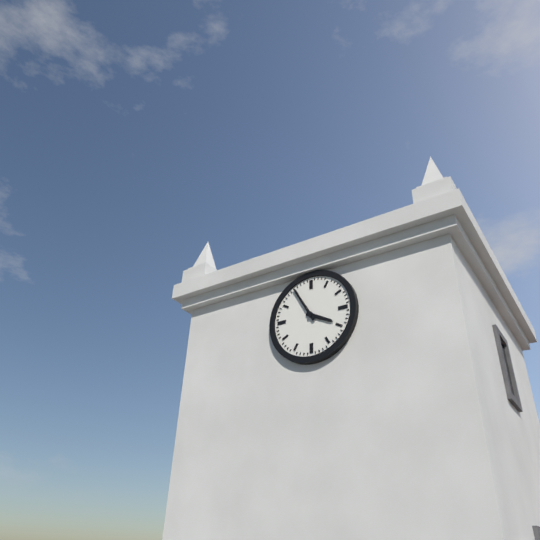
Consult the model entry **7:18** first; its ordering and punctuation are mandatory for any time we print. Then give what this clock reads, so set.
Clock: **3:55**
